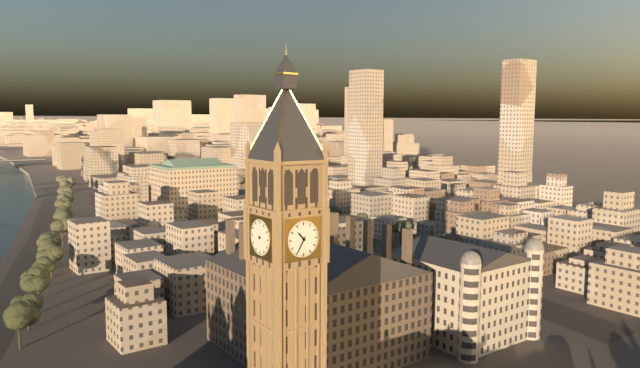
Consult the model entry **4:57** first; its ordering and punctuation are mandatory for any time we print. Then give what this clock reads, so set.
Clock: **10:35**
